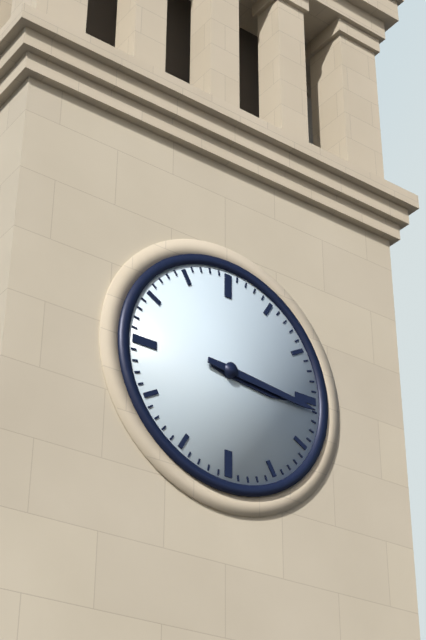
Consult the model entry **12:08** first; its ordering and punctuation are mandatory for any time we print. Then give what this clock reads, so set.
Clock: **3:16**
